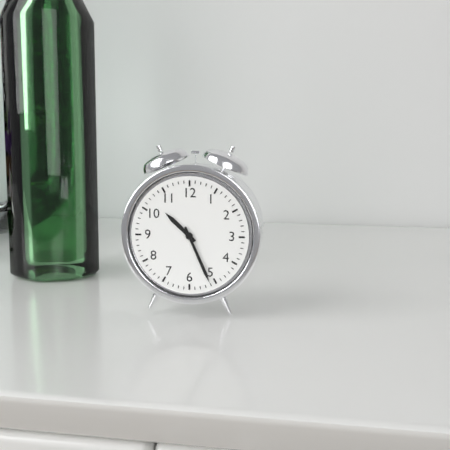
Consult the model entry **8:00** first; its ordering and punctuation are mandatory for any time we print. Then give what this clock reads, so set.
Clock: **10:26**
